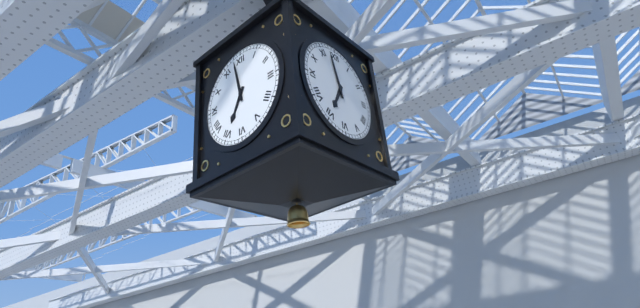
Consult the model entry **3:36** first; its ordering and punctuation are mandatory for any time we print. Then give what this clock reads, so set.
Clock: **6:58**
